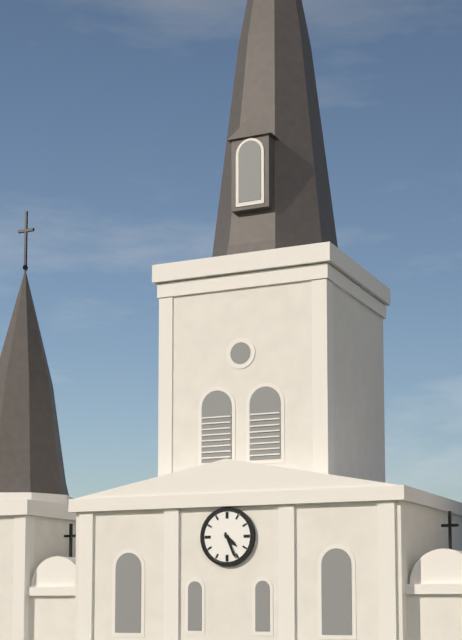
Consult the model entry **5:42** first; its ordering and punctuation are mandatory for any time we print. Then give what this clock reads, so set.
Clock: **4:26**
